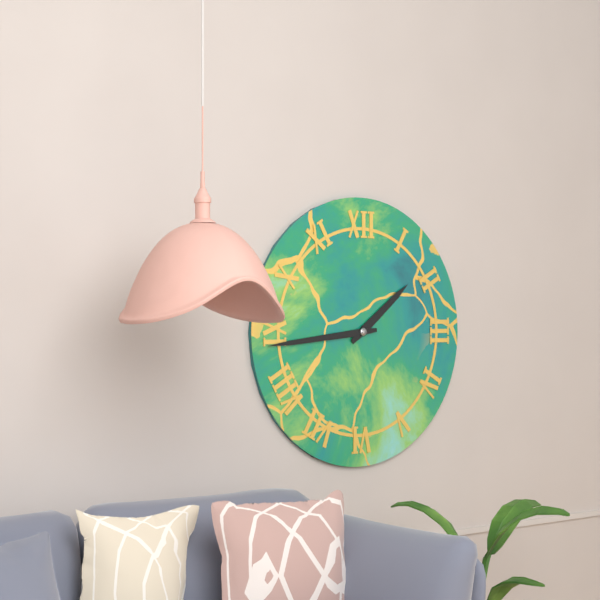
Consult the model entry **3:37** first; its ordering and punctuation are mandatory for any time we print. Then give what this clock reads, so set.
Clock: **1:44**
